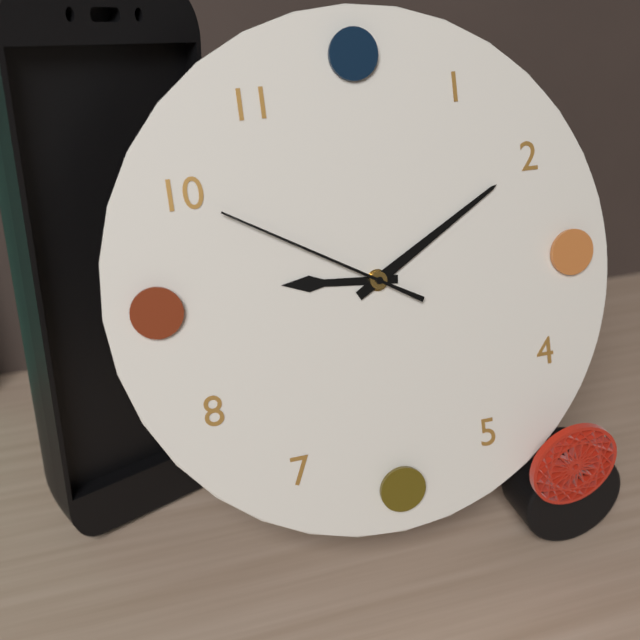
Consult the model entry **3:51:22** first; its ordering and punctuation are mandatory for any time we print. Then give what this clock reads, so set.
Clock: **9:10:50**
